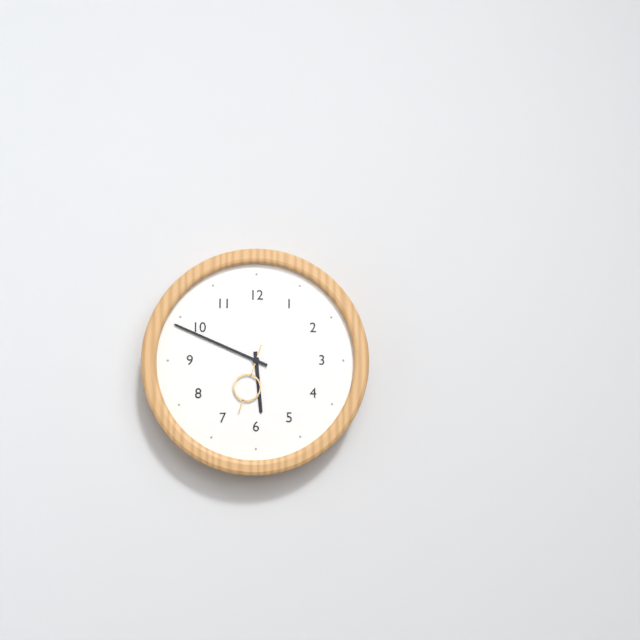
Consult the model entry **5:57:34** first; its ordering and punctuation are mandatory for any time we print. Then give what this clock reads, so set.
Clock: **5:49:33**
